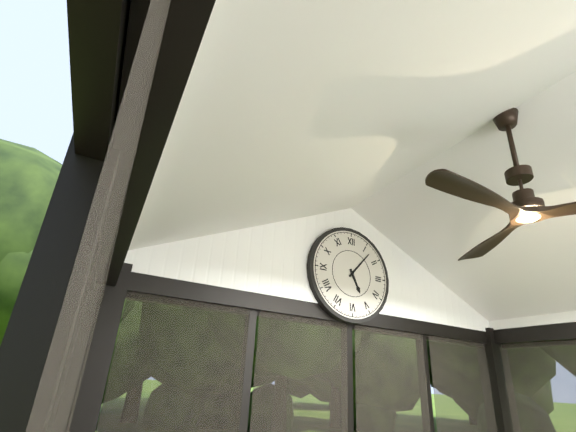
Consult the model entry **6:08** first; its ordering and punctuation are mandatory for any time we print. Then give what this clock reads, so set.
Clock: **5:07**
